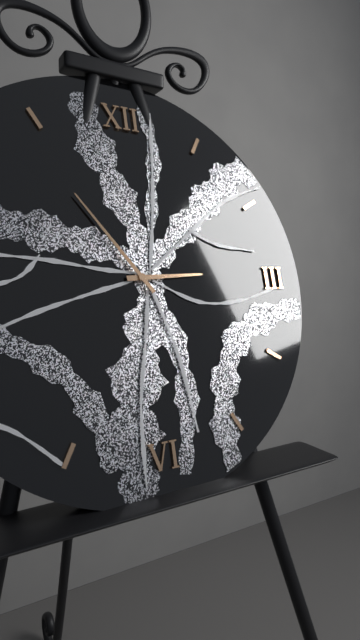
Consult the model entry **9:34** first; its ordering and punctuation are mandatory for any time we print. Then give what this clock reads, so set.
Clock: **2:54**
